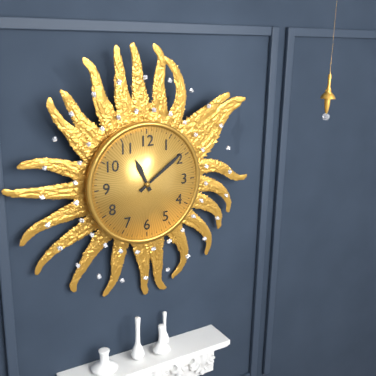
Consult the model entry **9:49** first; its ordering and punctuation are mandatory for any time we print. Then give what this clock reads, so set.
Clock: **11:09**
